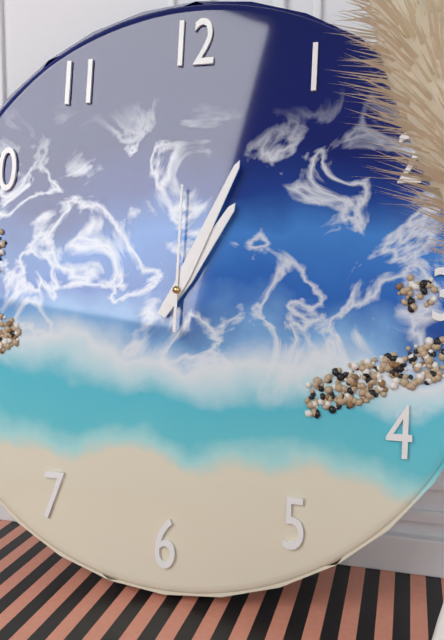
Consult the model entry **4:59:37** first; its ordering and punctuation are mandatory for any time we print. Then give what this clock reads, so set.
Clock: **1:04:00**
